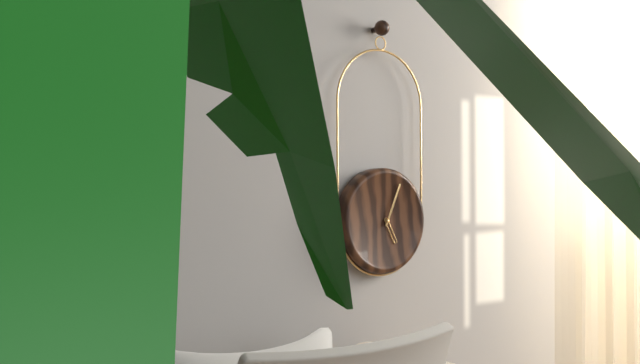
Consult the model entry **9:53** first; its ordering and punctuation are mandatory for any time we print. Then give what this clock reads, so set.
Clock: **5:04**
